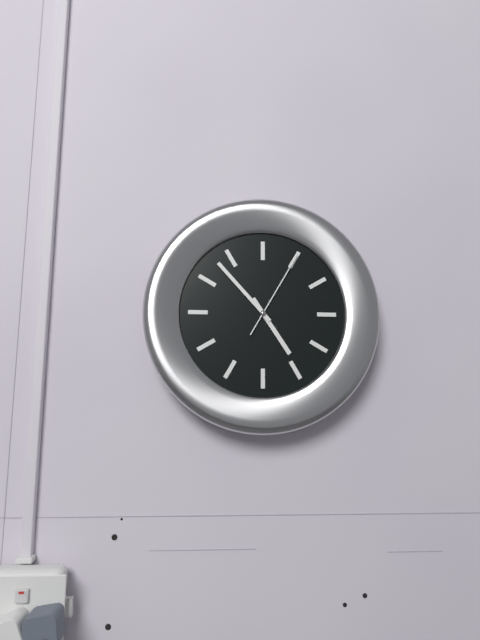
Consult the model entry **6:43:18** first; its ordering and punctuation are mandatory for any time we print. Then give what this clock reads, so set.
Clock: **4:53:05**
